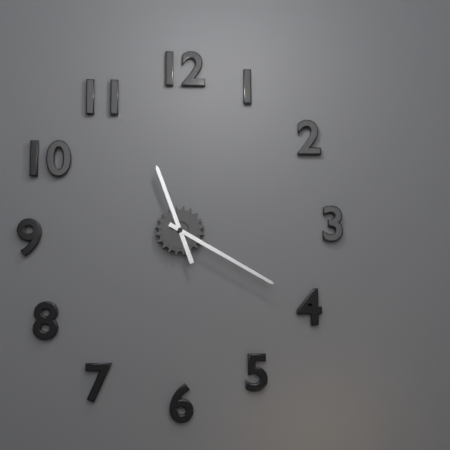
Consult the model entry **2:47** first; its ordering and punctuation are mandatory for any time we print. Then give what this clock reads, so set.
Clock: **11:20**
